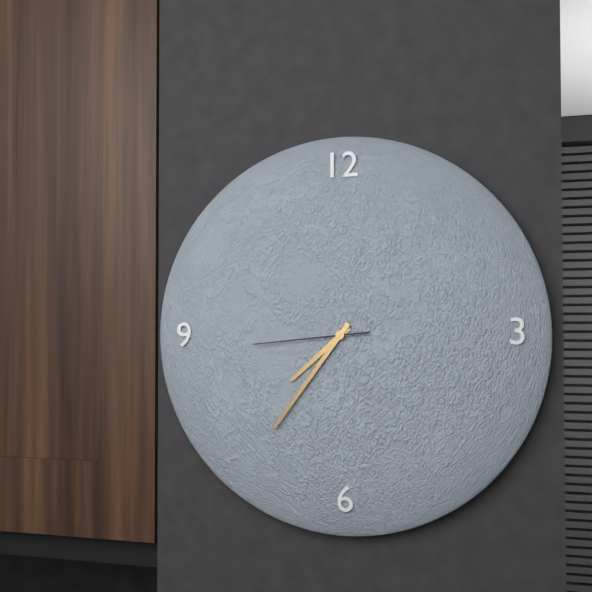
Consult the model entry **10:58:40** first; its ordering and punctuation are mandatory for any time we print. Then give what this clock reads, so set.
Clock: **7:36:44**
